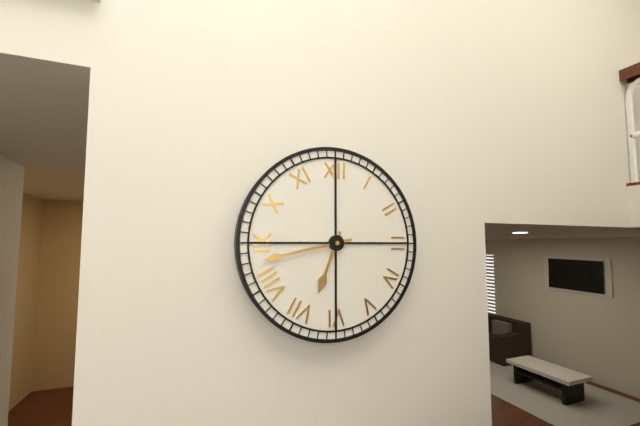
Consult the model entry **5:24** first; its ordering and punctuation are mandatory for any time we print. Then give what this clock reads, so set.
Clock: **6:43**
